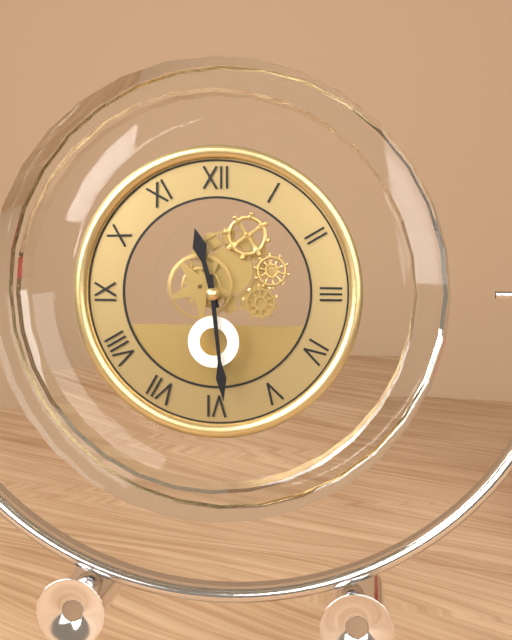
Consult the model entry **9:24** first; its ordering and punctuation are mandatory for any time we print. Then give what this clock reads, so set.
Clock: **11:29**
